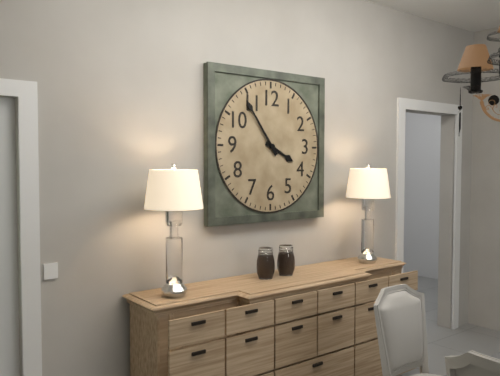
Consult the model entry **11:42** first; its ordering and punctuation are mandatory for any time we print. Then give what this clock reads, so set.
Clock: **3:54**
